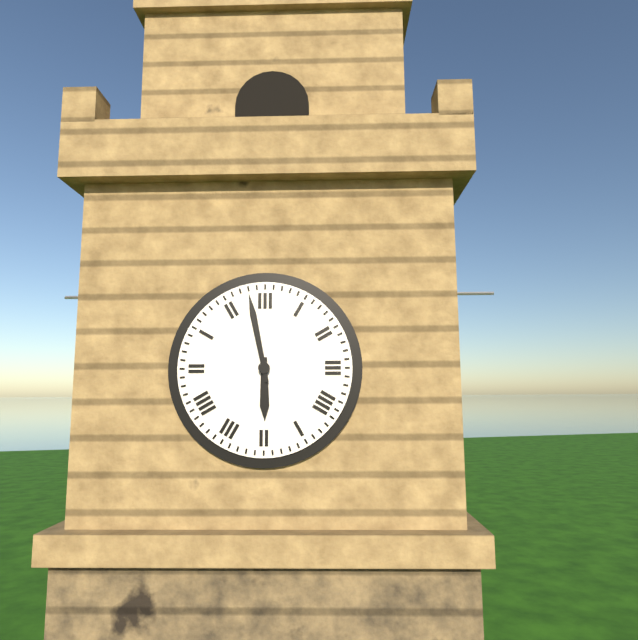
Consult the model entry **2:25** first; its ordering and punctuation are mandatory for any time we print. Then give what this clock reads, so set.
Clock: **5:58**
